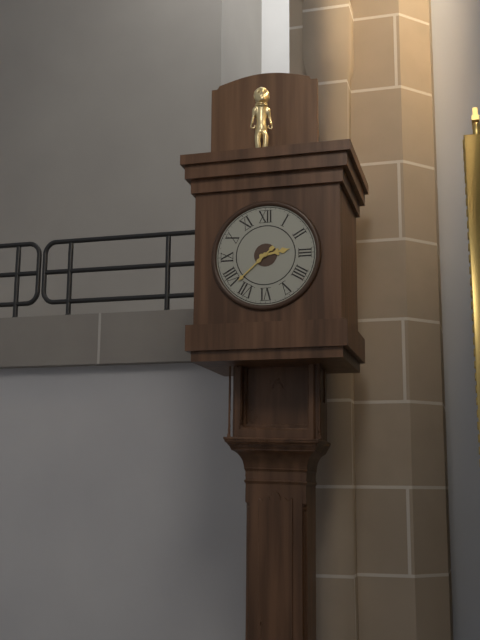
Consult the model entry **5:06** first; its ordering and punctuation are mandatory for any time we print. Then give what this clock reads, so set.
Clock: **2:38**
